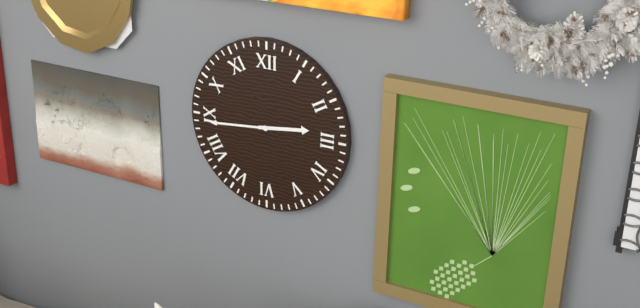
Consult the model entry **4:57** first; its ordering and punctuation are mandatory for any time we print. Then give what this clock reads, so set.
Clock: **2:44**
